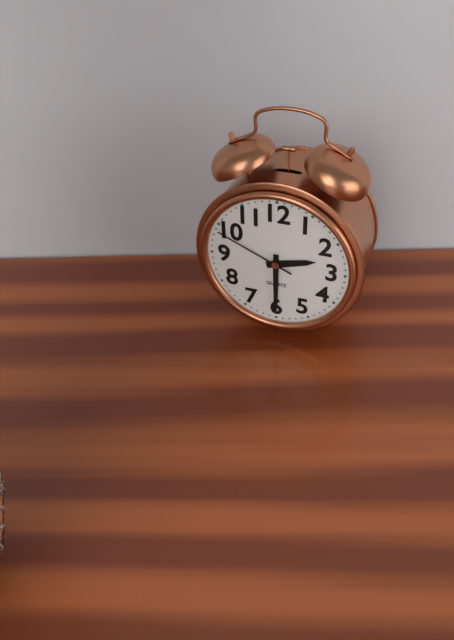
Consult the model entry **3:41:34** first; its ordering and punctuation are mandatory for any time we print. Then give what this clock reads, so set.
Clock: **2:30:49**
